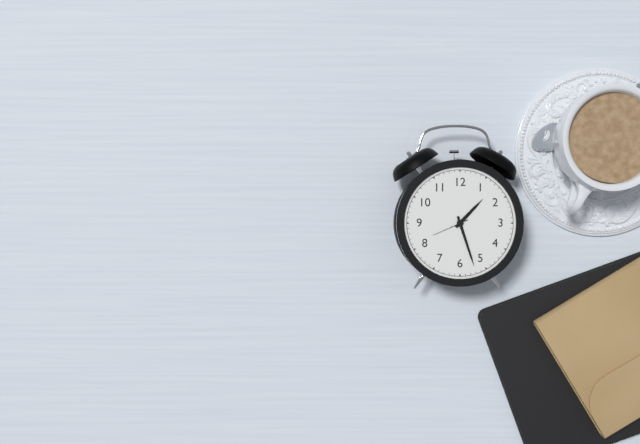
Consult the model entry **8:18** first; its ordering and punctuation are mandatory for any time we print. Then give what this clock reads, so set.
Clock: **1:27**
